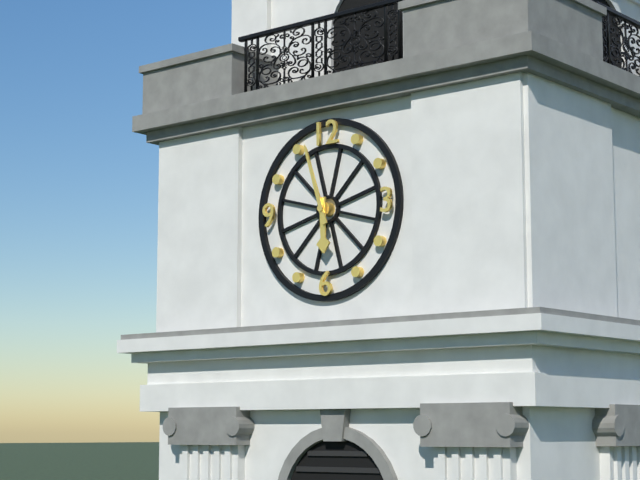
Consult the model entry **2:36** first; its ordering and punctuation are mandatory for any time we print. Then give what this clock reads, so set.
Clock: **5:57**
